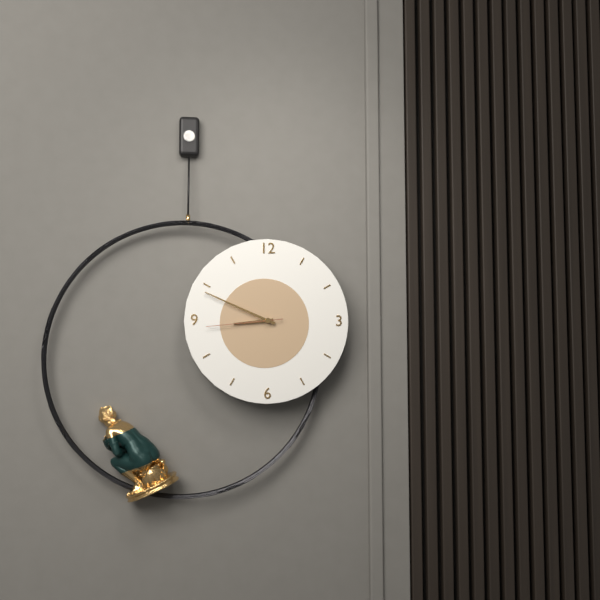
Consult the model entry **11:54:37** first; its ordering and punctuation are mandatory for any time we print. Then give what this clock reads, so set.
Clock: **8:49:44**
